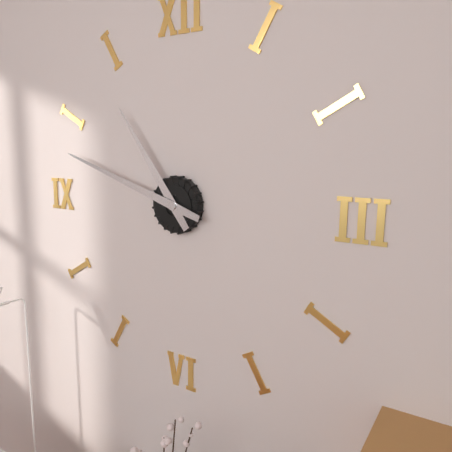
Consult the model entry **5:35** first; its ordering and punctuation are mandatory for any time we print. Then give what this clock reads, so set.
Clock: **10:48**
